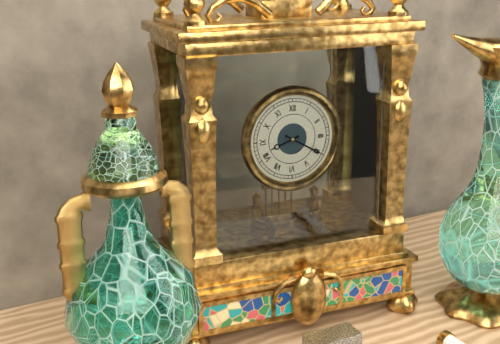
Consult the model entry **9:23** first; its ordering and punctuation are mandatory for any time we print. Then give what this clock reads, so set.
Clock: **8:20**
